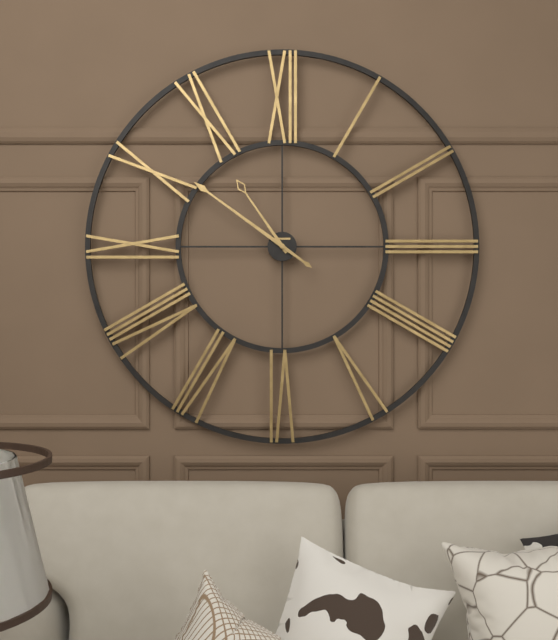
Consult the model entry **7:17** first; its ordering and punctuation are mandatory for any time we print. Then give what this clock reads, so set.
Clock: **10:51**
